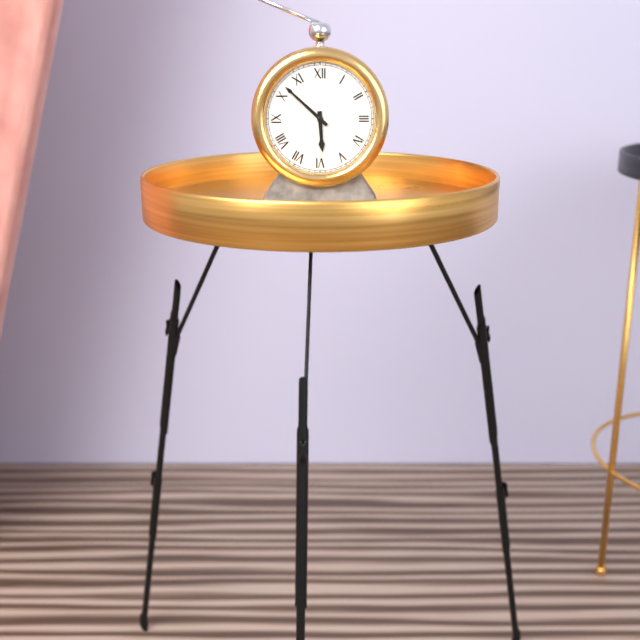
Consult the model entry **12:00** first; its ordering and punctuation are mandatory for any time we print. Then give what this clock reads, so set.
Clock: **5:52**
